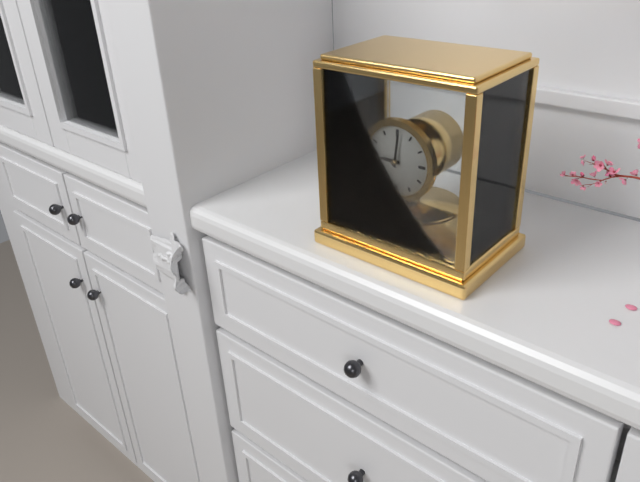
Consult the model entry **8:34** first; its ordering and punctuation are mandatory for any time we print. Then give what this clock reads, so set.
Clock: **9:01**
